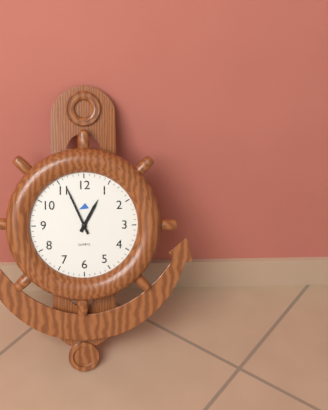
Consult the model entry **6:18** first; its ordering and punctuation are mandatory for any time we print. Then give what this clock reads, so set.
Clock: **12:56**
